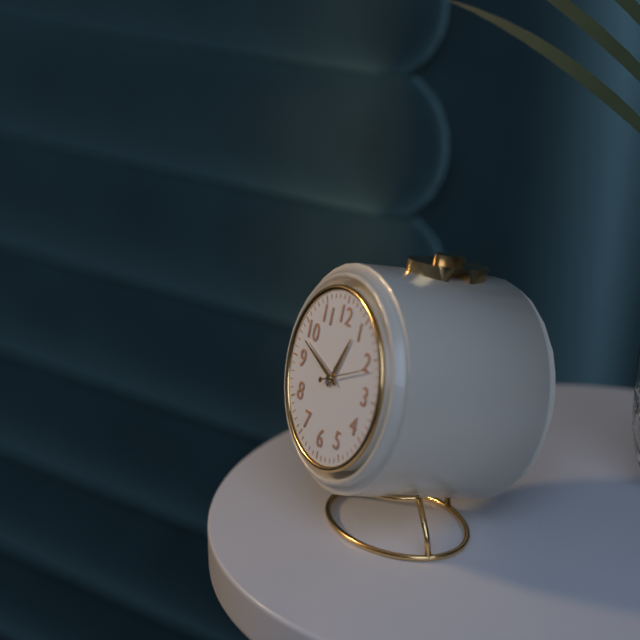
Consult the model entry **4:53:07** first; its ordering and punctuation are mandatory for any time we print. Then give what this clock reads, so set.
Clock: **12:48:11**
